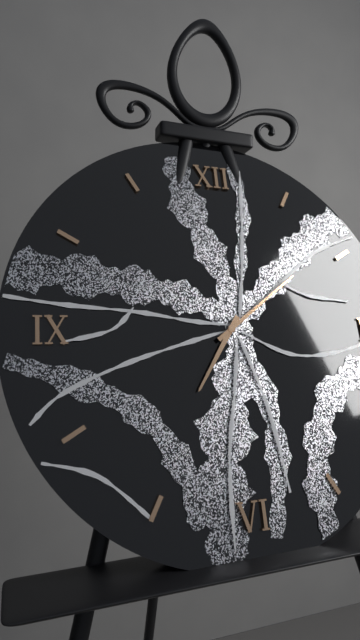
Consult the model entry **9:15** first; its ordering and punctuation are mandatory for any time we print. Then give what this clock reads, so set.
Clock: **7:09**
